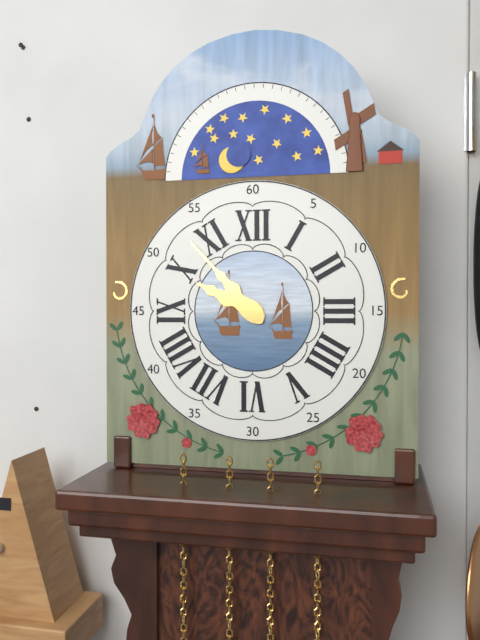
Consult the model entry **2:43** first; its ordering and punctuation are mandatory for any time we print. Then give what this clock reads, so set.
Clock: **9:53**
